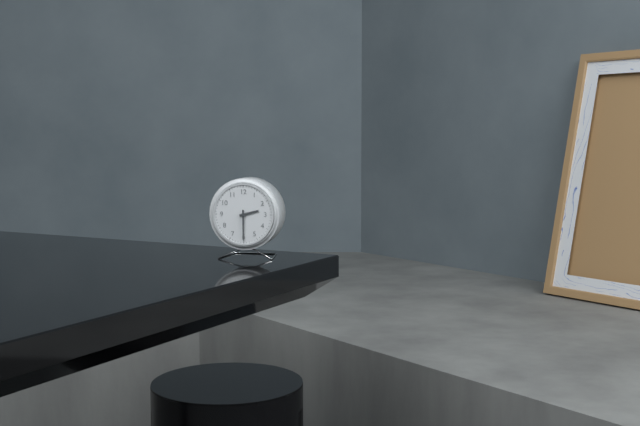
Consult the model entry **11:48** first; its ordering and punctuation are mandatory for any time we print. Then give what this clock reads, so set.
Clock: **2:30**
